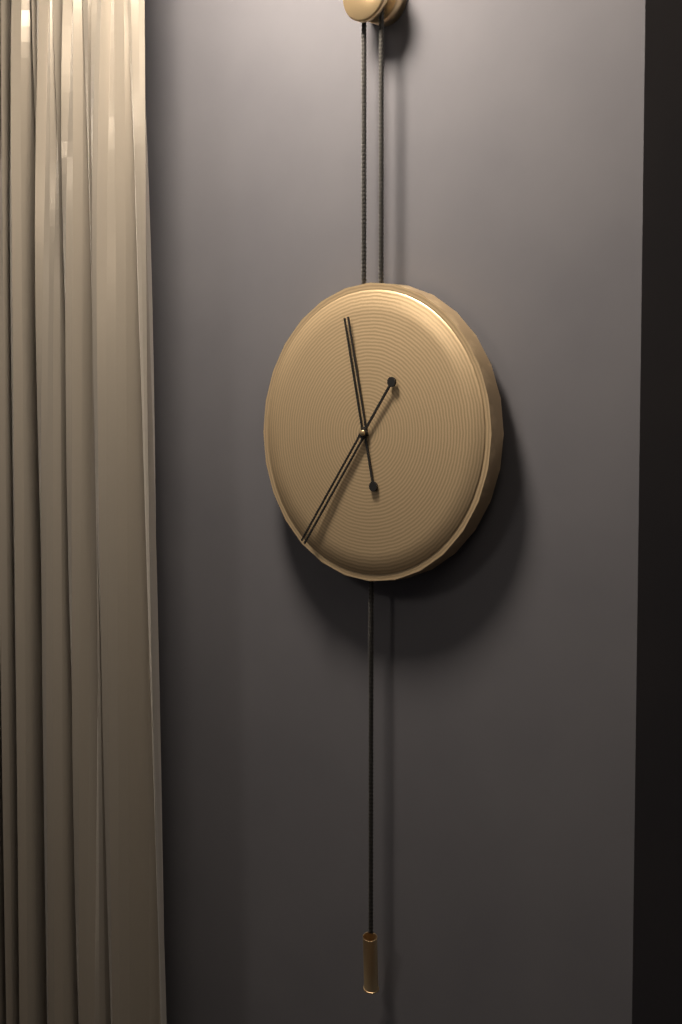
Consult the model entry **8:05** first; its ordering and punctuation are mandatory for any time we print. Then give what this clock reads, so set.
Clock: **11:36**
